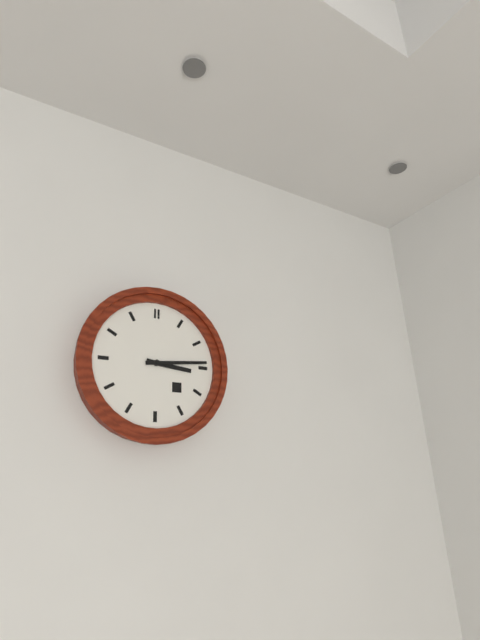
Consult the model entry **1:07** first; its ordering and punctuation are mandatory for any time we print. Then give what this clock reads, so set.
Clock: **3:14**
